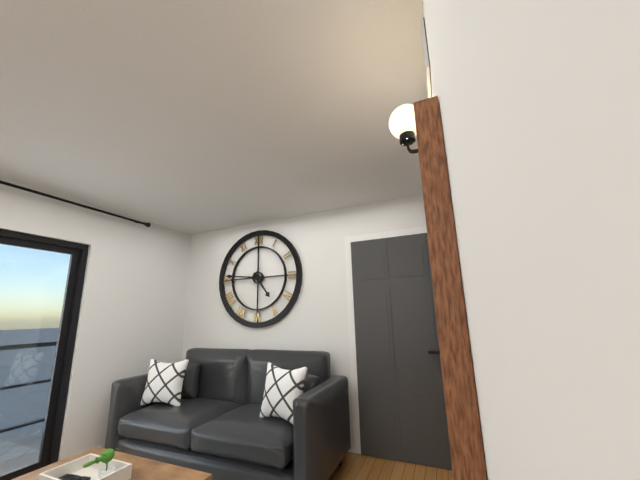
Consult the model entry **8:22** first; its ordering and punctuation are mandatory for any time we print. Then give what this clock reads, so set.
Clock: **4:46**
